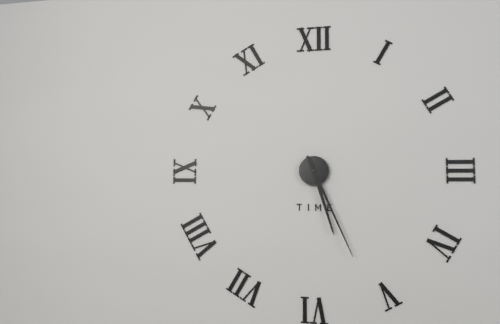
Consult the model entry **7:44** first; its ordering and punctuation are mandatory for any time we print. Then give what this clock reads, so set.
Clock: **5:26**
